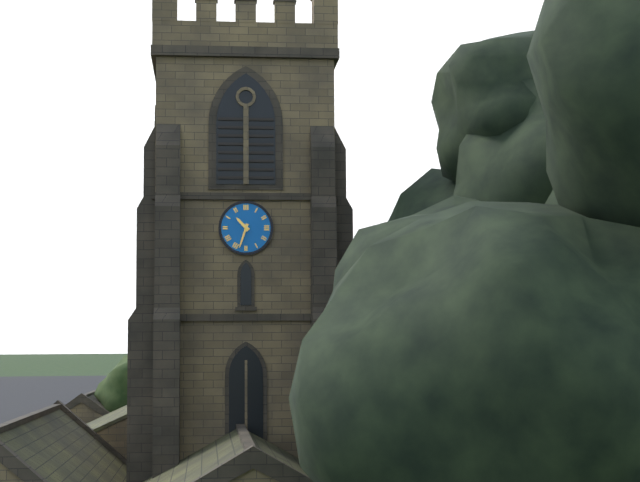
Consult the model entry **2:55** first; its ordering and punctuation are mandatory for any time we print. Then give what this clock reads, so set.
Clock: **10:33**
